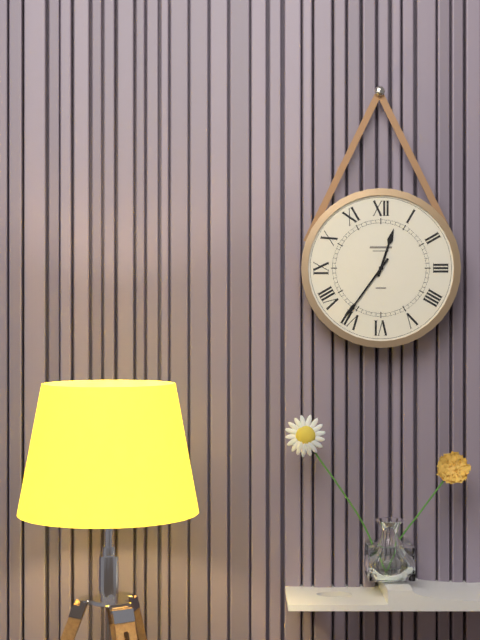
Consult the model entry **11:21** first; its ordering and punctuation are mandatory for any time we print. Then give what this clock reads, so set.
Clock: **12:36**
